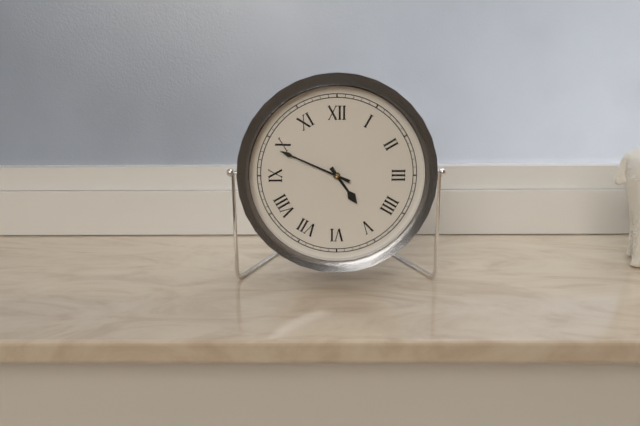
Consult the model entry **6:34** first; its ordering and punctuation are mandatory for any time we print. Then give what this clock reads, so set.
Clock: **4:49**
